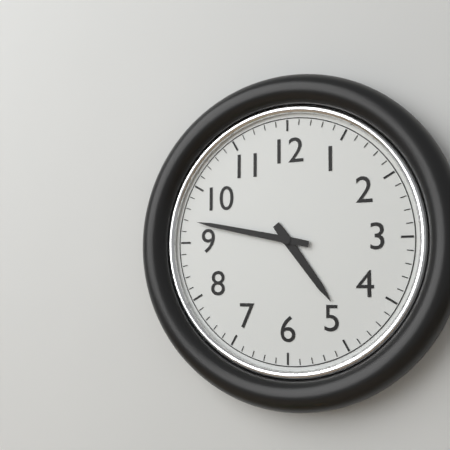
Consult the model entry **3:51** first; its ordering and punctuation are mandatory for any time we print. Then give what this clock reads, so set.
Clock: **4:47**
